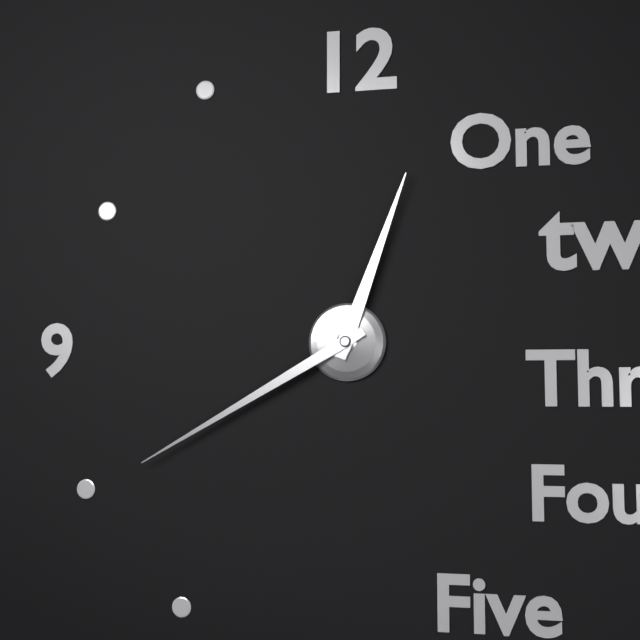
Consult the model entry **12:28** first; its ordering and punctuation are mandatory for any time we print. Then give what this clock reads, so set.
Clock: **12:40**
